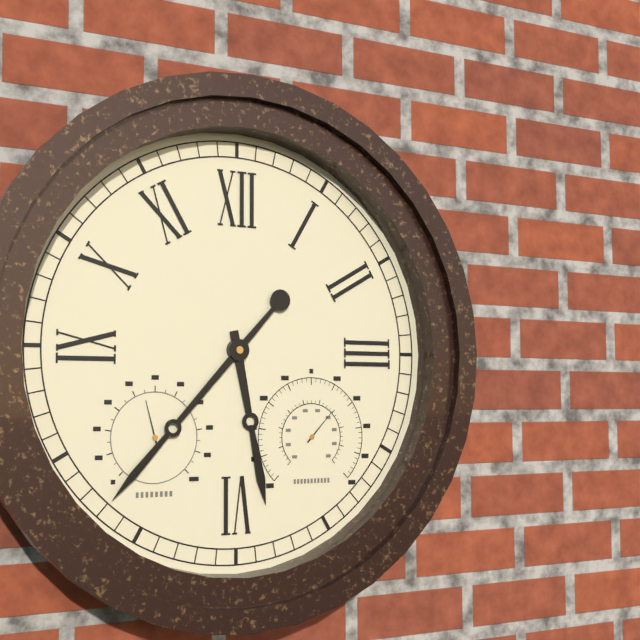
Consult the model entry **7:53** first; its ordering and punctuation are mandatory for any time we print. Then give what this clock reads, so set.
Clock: **5:37**
